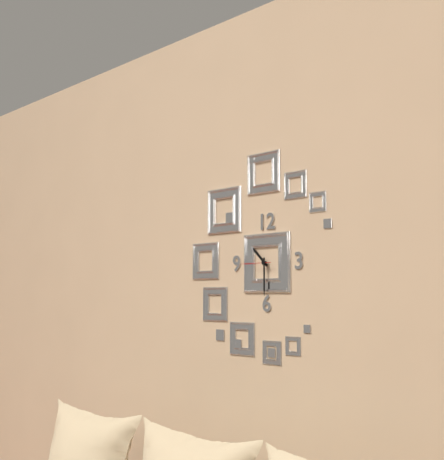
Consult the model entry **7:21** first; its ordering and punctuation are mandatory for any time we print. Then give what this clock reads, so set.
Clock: **10:30**
